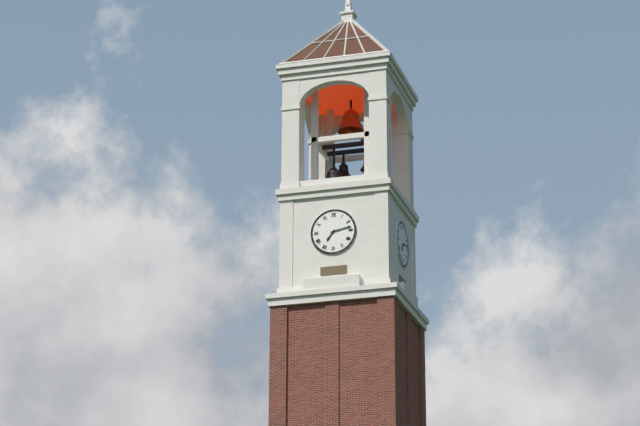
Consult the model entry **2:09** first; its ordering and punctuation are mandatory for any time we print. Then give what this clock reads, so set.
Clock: **7:13**
